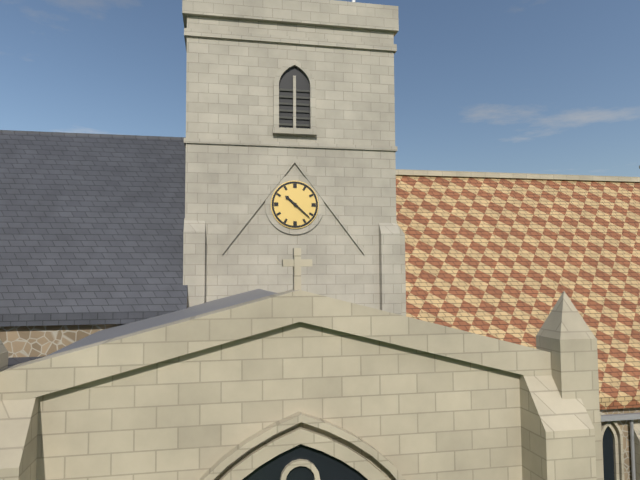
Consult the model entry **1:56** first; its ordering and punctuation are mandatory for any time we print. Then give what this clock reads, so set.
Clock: **10:22**
